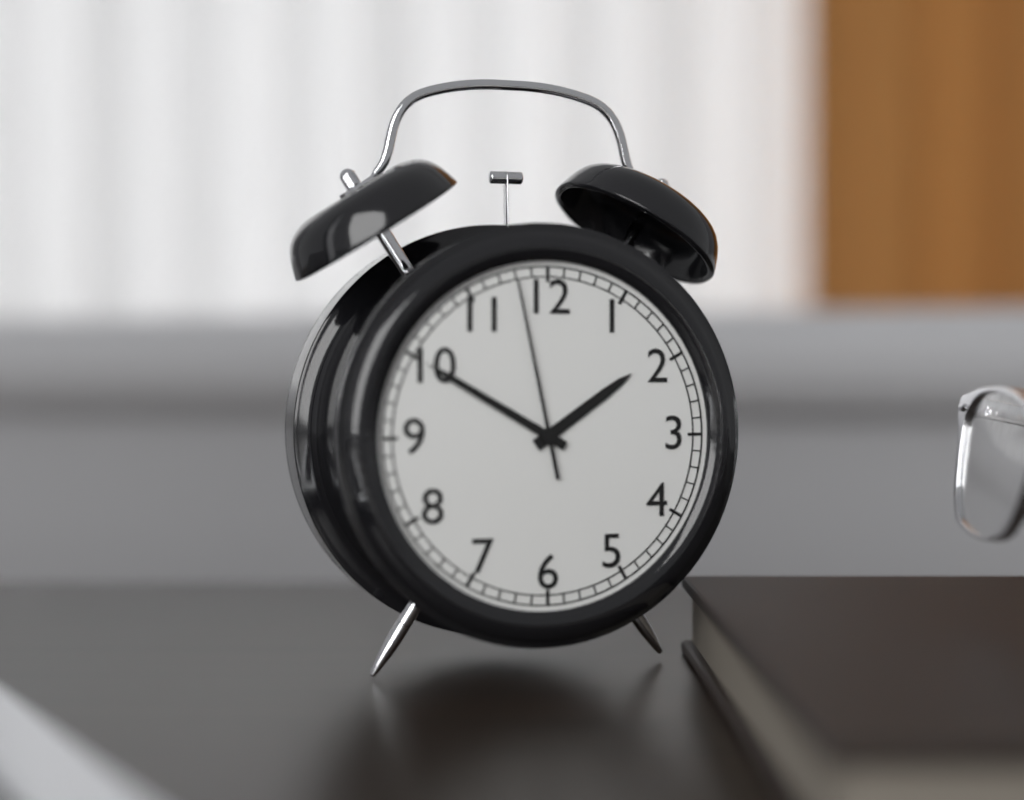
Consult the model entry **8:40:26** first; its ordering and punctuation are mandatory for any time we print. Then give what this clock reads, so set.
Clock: **1:50:58**
